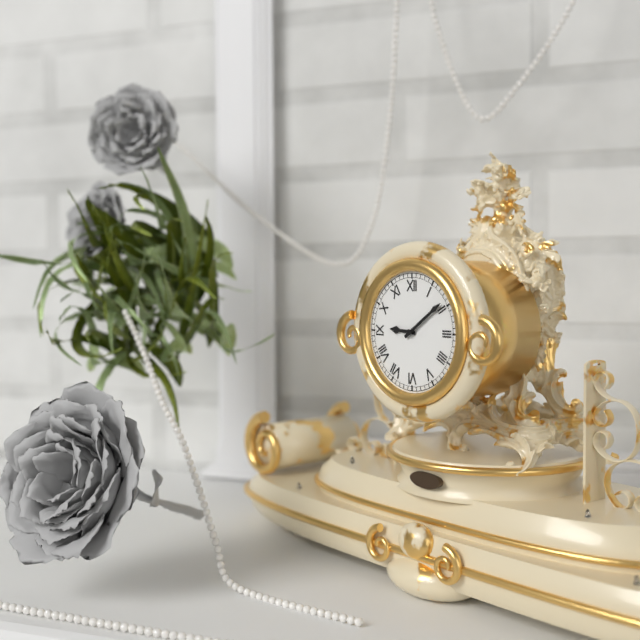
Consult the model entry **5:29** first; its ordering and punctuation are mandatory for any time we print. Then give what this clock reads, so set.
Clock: **9:09**
